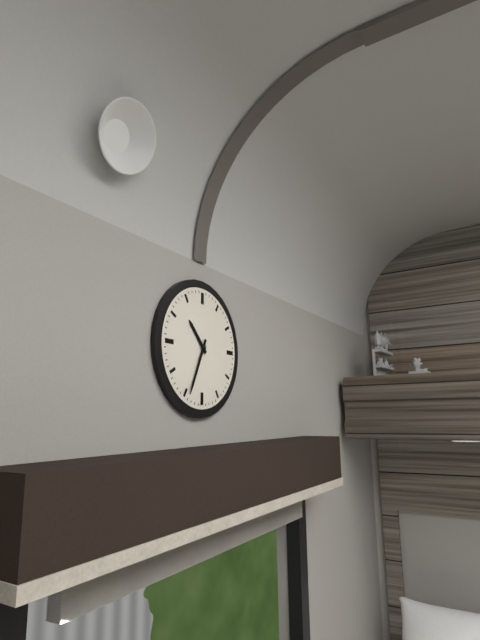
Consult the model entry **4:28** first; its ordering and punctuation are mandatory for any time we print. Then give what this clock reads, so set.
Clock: **10:34**
